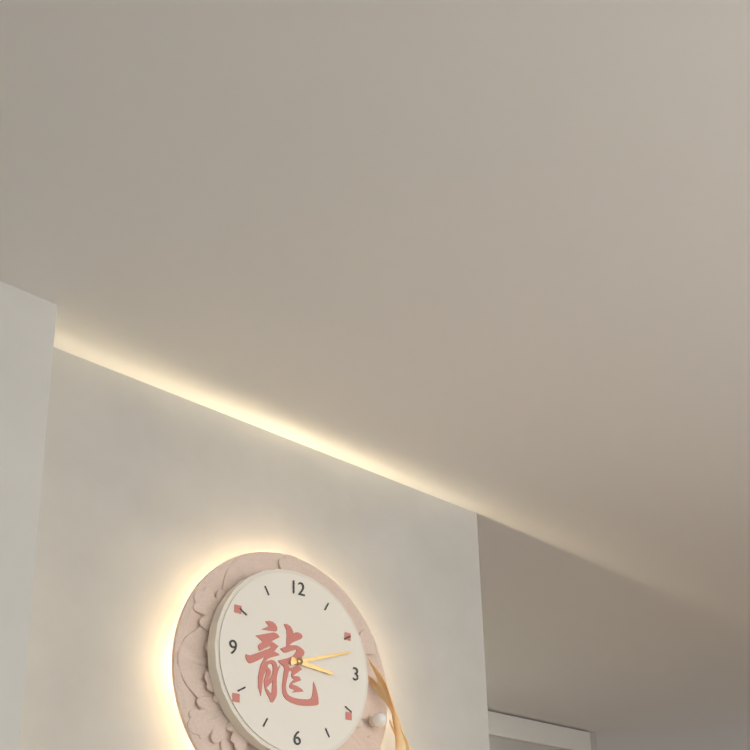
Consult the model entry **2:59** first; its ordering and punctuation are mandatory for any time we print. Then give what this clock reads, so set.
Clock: **3:12**
